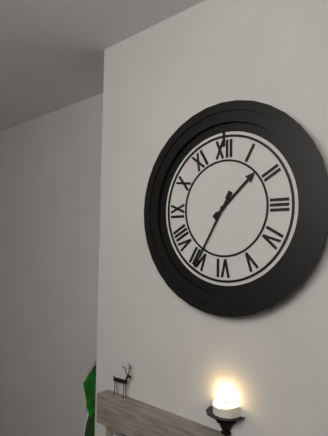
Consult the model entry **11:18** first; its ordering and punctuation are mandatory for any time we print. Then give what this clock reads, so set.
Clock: **1:35**
